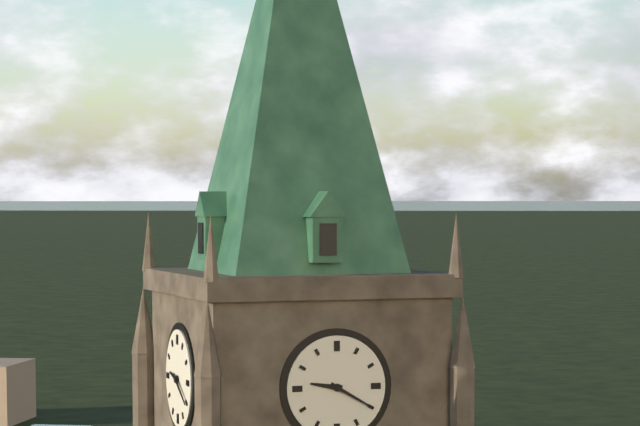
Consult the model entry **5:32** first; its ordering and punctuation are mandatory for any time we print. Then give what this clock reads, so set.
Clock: **9:20**
